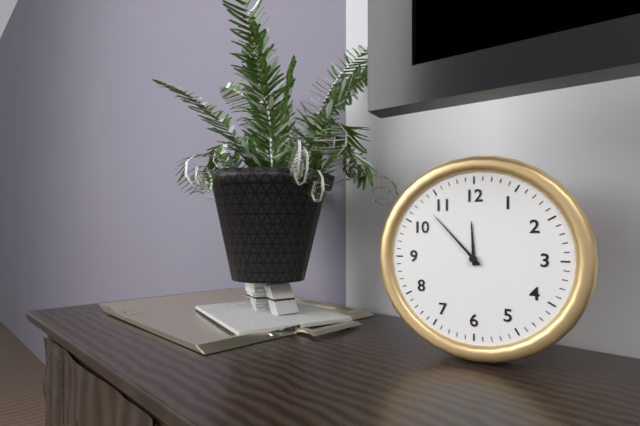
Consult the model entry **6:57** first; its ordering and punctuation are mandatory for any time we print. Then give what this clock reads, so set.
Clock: **11:53**
